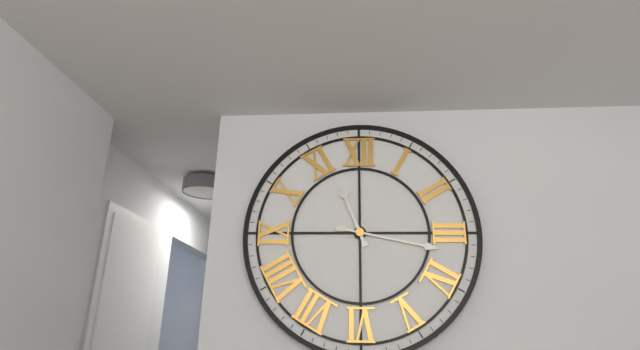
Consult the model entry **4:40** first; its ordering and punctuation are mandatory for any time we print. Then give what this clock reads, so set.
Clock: **11:17**
